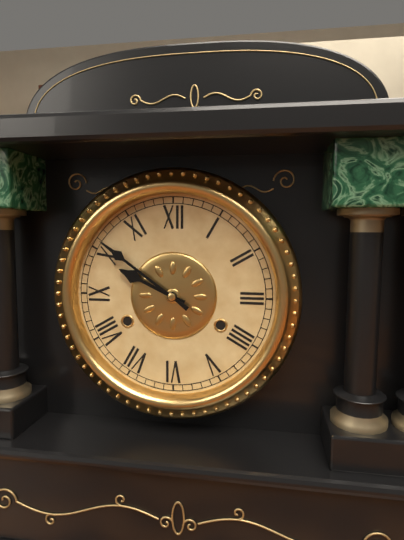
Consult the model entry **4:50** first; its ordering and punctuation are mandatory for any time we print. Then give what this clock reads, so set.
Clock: **9:51**
